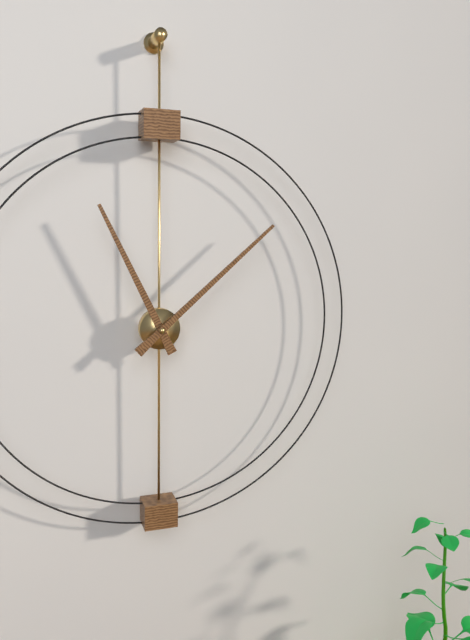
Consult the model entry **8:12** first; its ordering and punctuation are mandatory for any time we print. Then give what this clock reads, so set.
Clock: **11:08**
